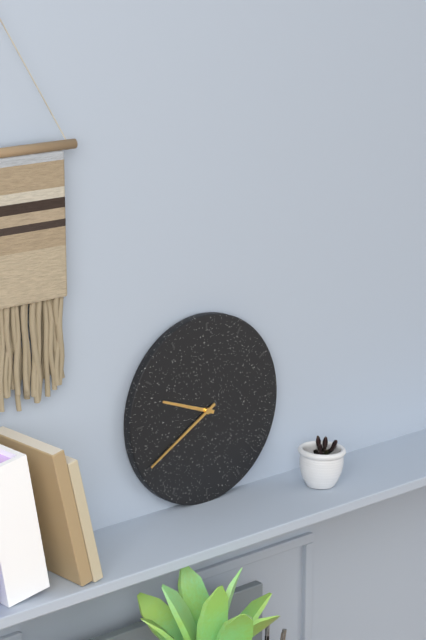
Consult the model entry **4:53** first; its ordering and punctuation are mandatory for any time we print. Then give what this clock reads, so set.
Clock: **9:40**
